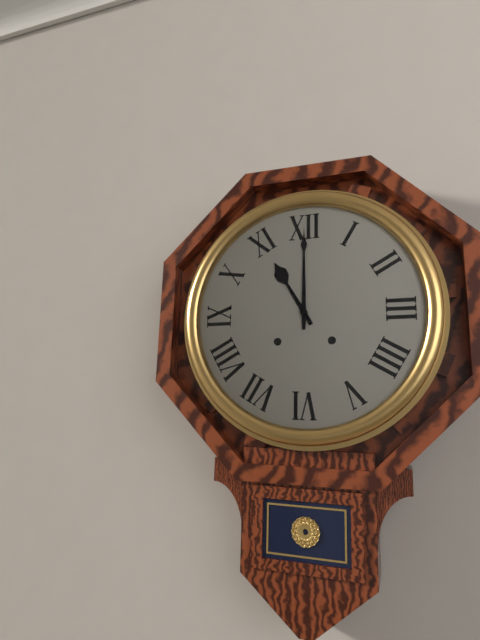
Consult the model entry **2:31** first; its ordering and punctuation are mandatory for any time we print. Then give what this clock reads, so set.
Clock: **11:00**
